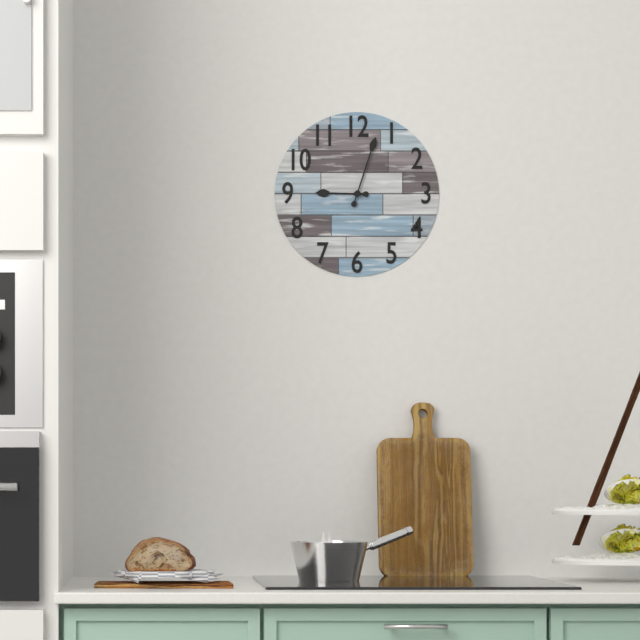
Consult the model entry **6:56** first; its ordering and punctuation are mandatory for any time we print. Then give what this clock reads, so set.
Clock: **9:03**
